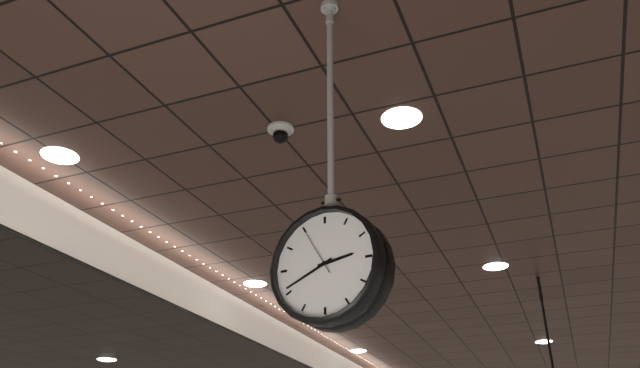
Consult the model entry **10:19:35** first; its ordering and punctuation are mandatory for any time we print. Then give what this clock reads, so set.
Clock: **2:41:55**
